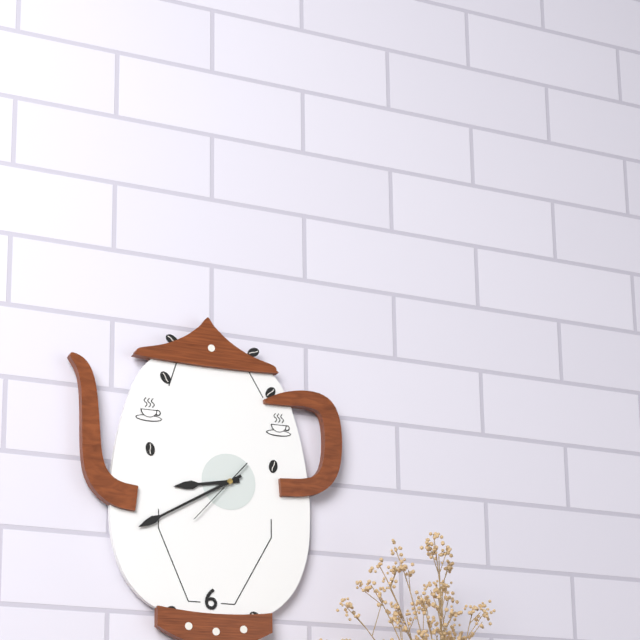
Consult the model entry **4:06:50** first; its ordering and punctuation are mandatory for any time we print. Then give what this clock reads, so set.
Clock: **8:40:37**
